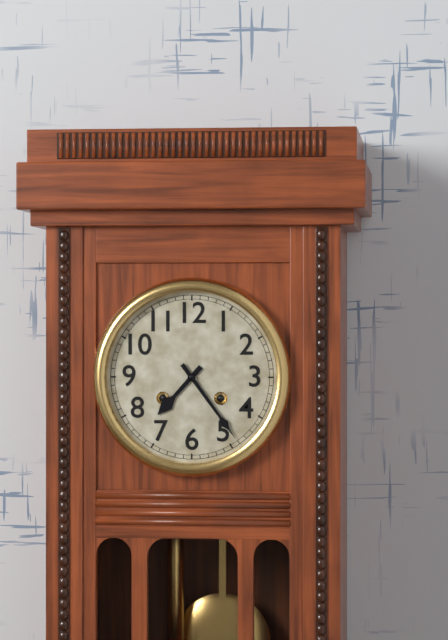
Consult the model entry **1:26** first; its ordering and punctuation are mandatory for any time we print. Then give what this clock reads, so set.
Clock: **7:24**
